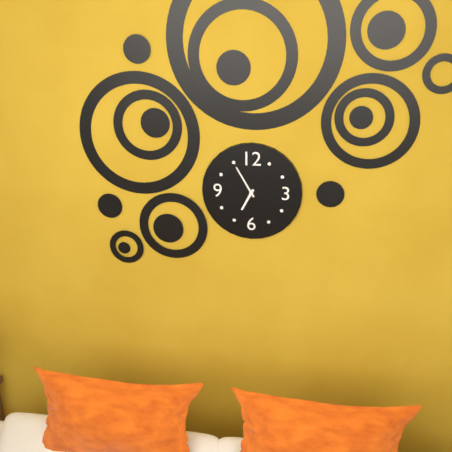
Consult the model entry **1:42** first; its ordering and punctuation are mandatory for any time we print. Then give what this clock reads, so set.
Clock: **6:55**
